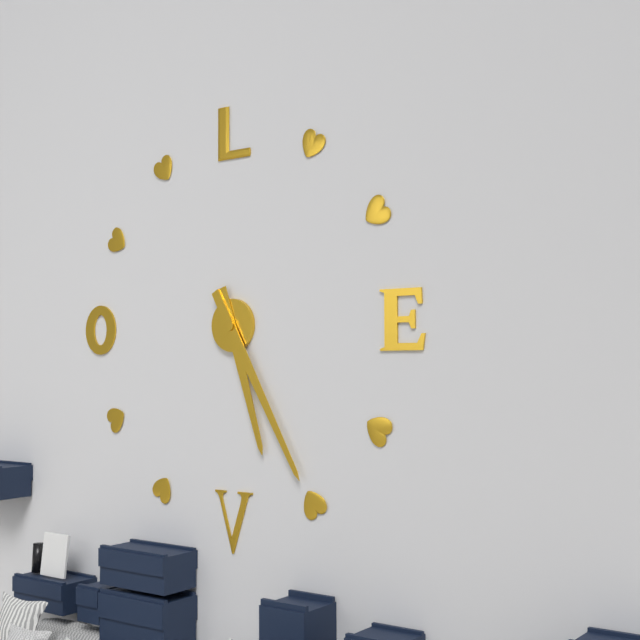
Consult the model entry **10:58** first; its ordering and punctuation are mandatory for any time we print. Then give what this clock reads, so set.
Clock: **5:25**
